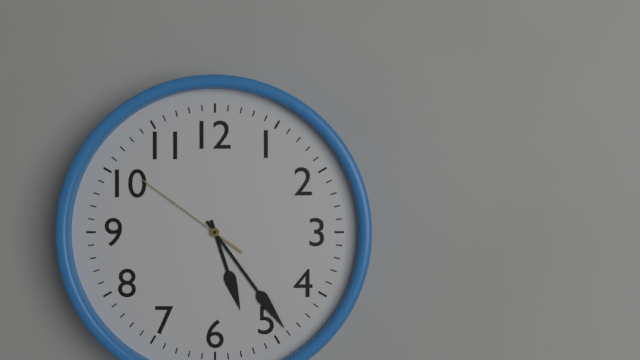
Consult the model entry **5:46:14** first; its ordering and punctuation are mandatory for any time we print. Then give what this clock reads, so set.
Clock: **5:24:51**
